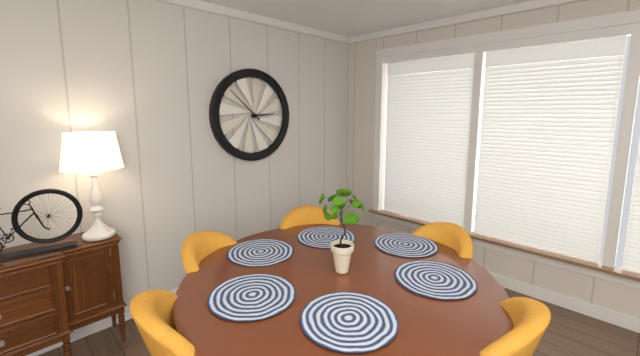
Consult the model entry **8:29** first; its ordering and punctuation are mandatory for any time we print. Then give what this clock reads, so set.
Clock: **2:52**
